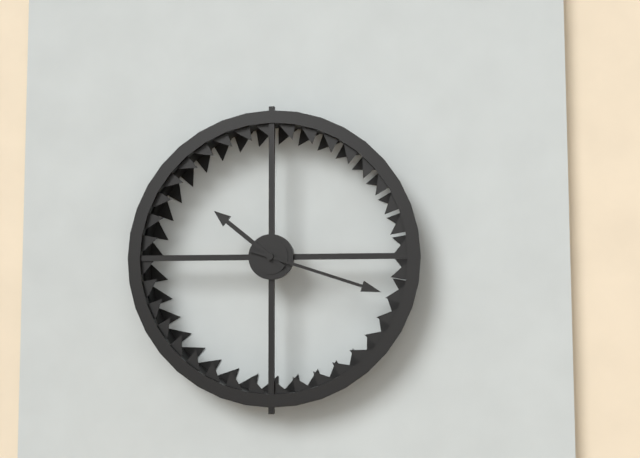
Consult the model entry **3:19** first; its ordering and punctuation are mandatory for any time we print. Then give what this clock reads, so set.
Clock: **10:18**
